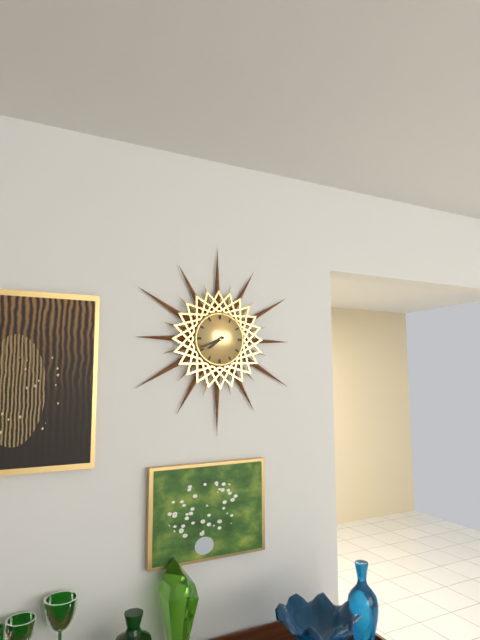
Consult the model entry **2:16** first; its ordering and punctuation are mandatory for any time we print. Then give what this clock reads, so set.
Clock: **7:41**
